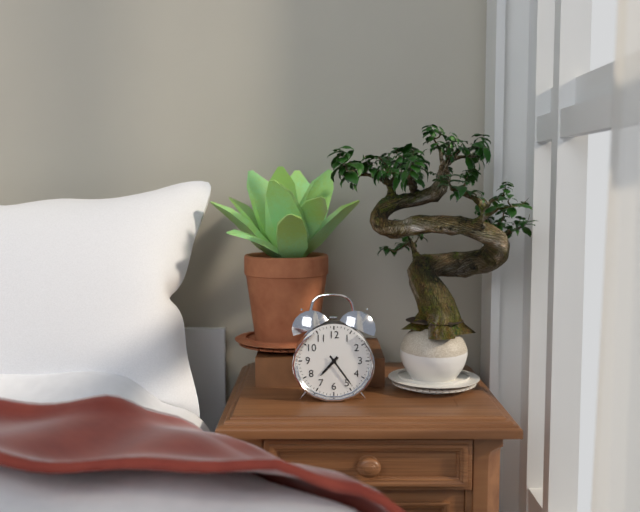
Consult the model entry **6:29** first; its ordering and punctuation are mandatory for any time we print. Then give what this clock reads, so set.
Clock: **7:24**
